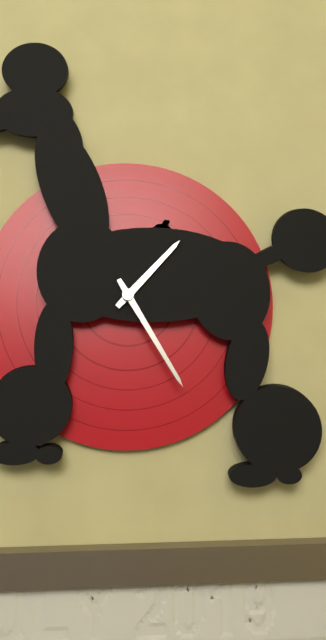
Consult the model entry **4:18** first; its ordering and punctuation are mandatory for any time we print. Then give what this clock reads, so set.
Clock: **1:25**
